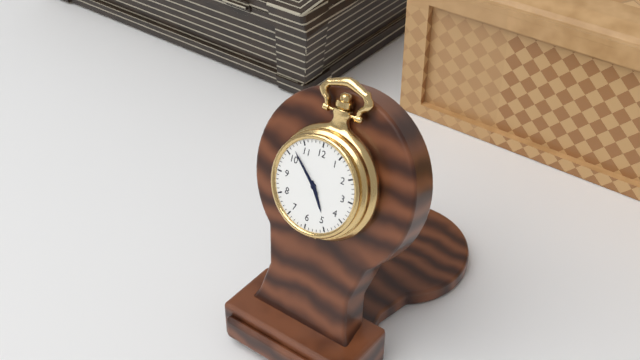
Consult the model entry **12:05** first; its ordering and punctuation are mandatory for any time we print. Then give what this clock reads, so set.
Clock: **4:52**
